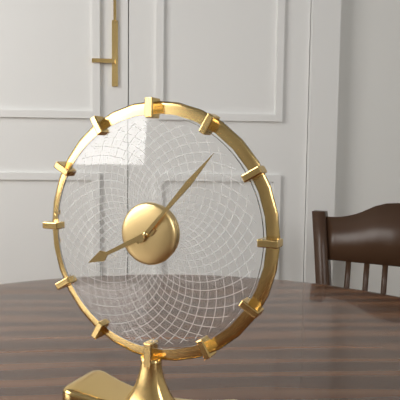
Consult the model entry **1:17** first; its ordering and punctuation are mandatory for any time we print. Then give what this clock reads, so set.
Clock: **8:07**
